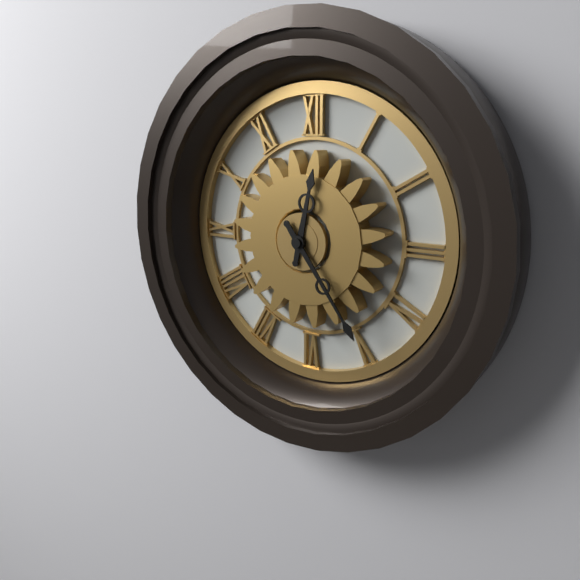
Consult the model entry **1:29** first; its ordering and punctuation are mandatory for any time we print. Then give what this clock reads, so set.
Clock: **12:24**
